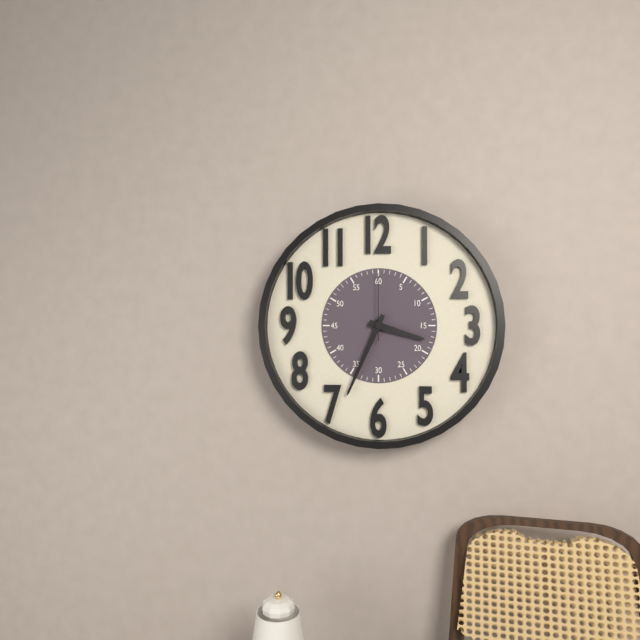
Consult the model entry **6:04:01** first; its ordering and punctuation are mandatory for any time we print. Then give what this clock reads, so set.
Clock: **3:34:00**
